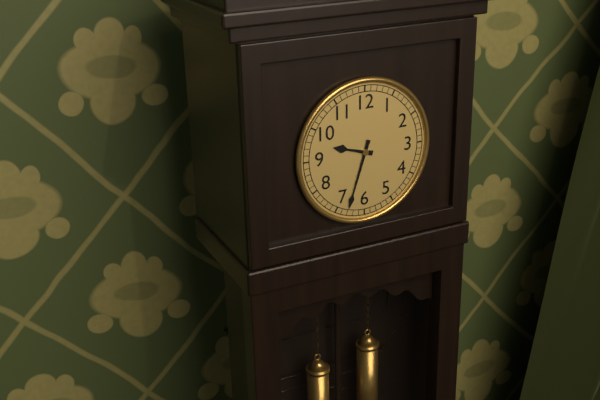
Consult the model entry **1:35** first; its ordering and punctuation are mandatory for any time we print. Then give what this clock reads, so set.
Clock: **9:33**
